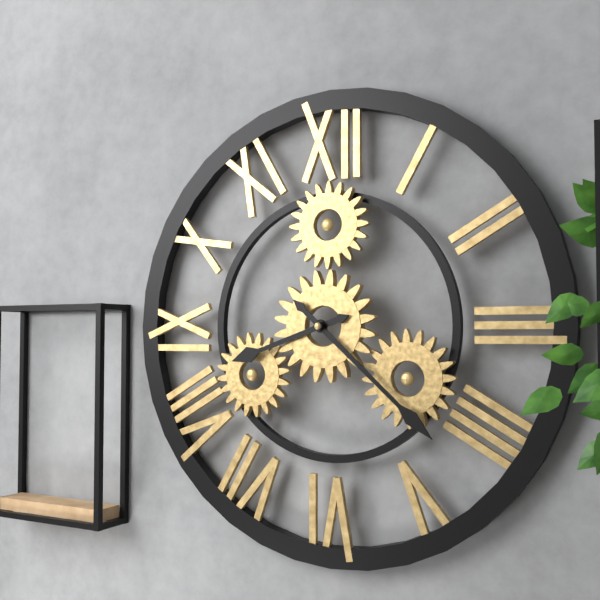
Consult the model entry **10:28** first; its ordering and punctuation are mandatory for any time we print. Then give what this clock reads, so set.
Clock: **8:22**
